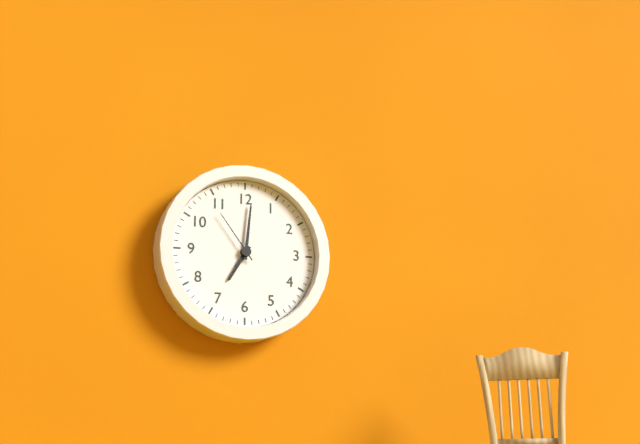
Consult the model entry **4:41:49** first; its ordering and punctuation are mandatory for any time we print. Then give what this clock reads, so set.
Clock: **7:01:54**
